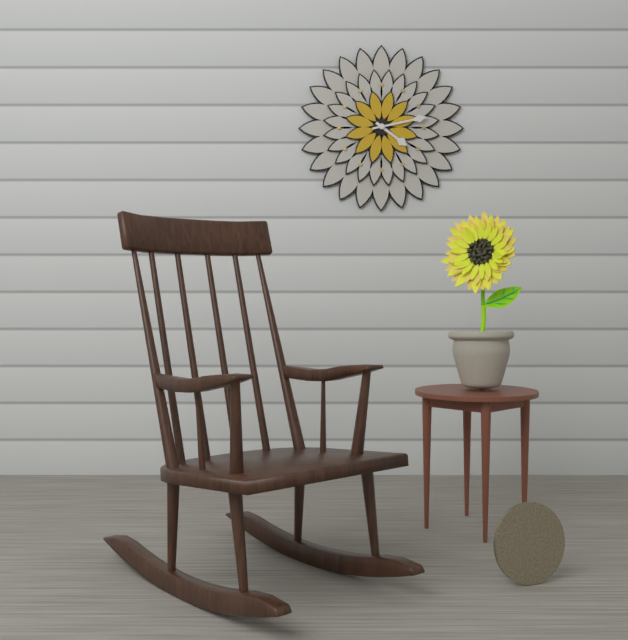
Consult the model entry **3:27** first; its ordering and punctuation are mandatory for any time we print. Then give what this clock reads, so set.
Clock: **4:13**
